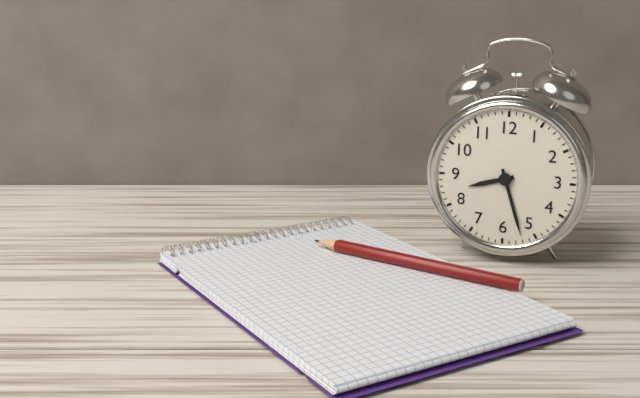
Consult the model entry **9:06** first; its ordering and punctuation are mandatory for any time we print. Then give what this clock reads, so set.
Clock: **8:27**
